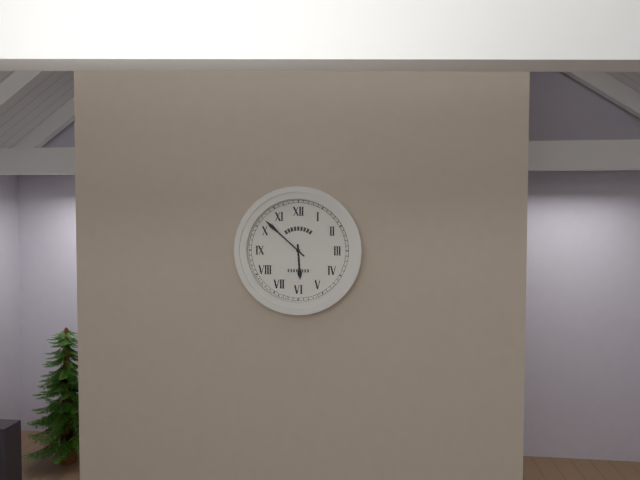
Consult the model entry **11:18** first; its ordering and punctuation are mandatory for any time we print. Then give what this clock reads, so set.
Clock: **5:52**
